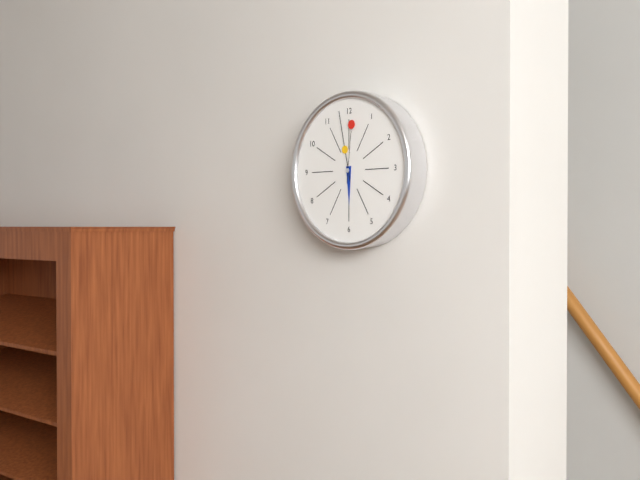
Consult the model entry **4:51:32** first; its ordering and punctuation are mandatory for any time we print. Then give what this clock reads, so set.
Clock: **5:58:01**
